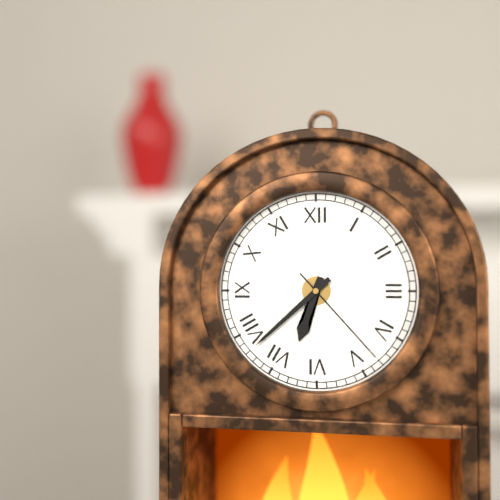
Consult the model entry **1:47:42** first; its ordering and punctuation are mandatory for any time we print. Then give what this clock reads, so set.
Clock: **6:38:23**
